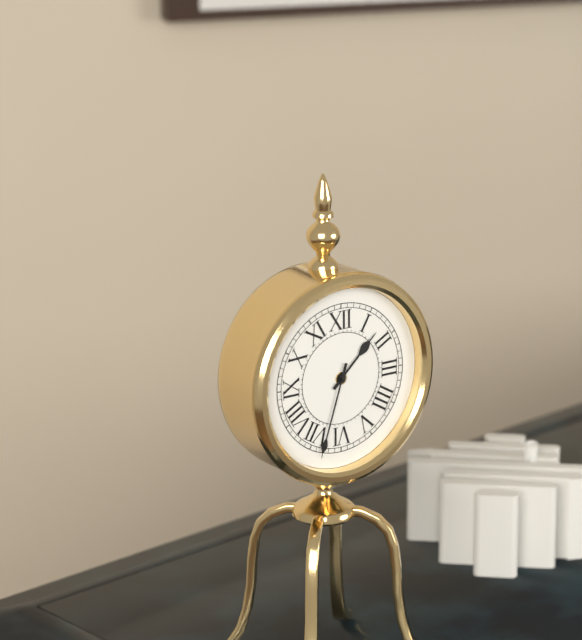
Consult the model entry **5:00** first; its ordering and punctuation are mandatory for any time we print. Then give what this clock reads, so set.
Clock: **1:33**
